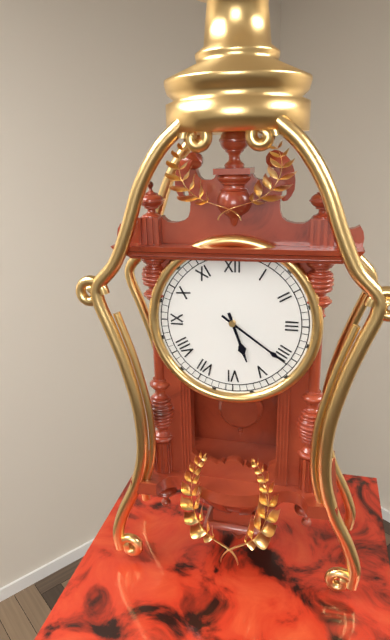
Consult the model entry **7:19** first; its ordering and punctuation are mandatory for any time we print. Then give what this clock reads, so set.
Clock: **5:21**
